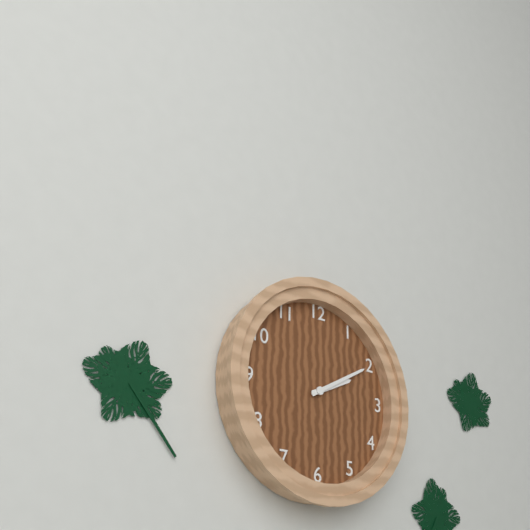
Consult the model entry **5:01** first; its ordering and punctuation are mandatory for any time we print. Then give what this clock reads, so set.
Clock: **2:10**
